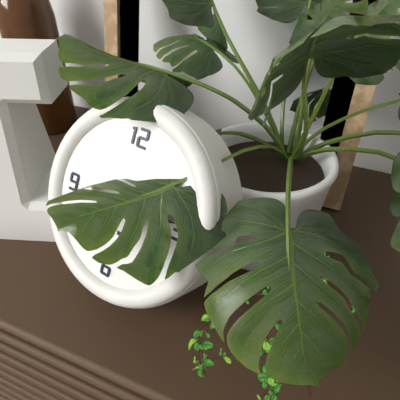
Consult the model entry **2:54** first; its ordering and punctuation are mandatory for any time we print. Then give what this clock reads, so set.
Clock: **7:14**
